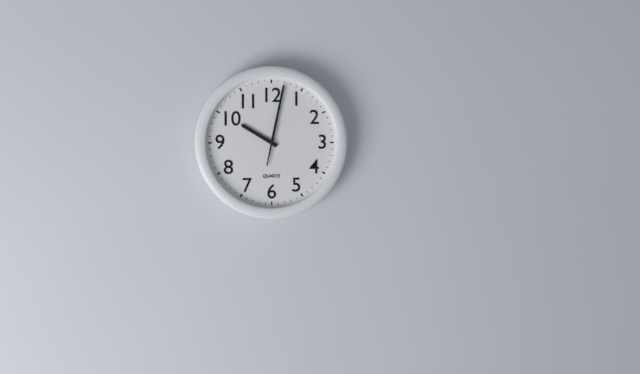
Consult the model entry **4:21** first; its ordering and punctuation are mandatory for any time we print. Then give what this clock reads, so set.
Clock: **10:02**
